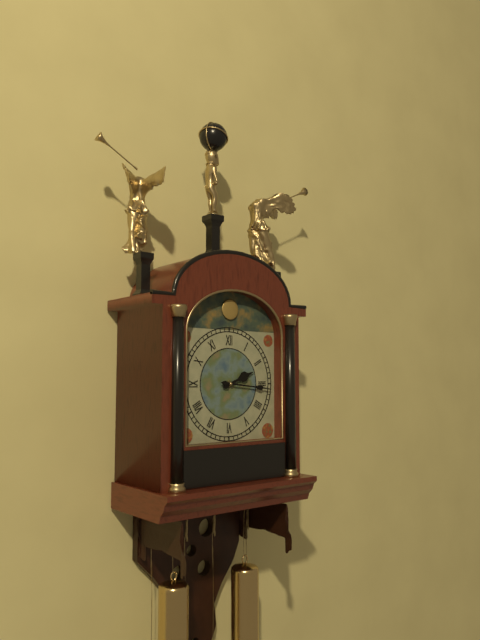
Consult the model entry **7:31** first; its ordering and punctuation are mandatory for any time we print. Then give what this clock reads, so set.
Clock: **2:16**
